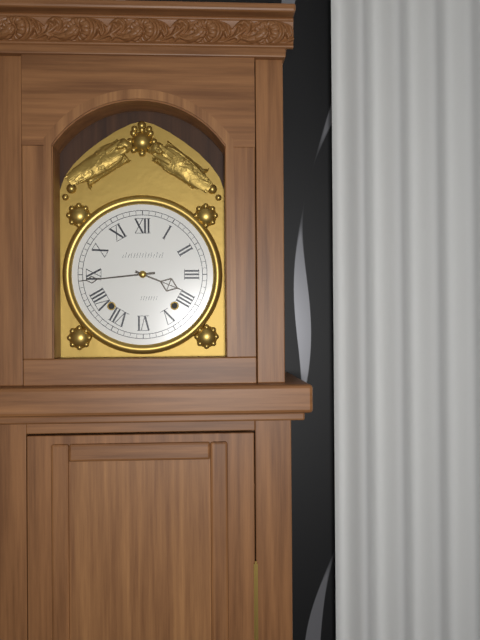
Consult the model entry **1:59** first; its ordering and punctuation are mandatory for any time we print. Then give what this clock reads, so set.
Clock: **3:44**
